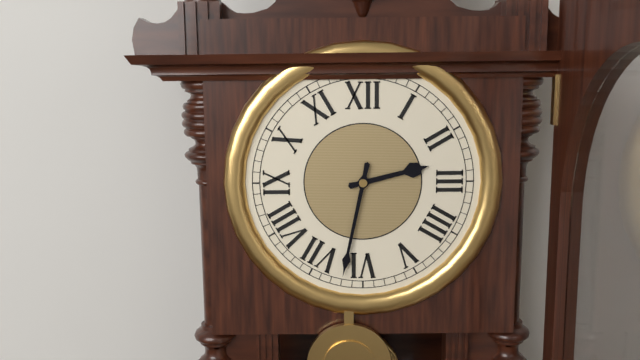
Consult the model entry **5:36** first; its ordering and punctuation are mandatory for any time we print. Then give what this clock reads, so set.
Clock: **2:32**
